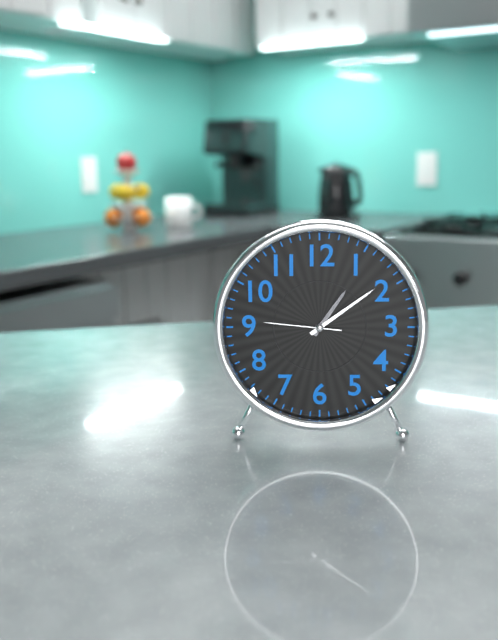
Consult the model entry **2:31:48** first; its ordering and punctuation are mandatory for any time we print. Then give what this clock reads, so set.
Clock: **1:09:46**
